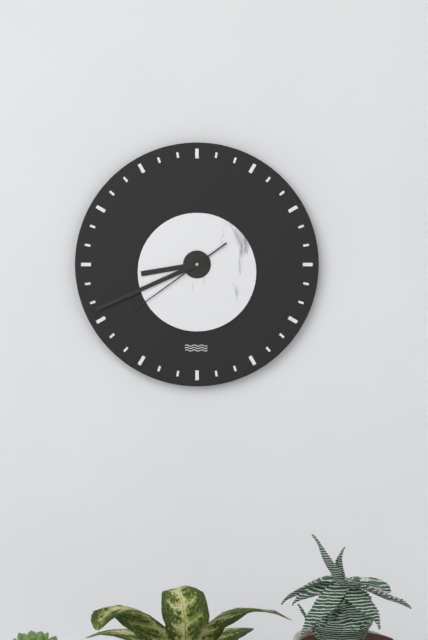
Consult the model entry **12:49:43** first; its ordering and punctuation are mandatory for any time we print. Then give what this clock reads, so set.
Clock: **8:41:39**
